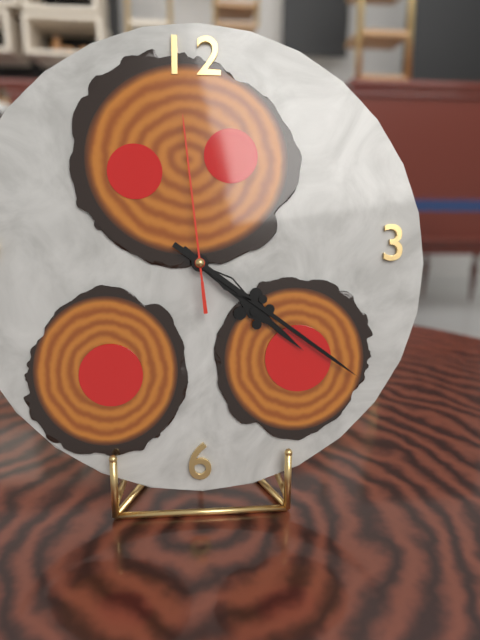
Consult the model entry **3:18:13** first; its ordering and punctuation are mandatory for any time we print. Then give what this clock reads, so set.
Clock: **4:21:59**
